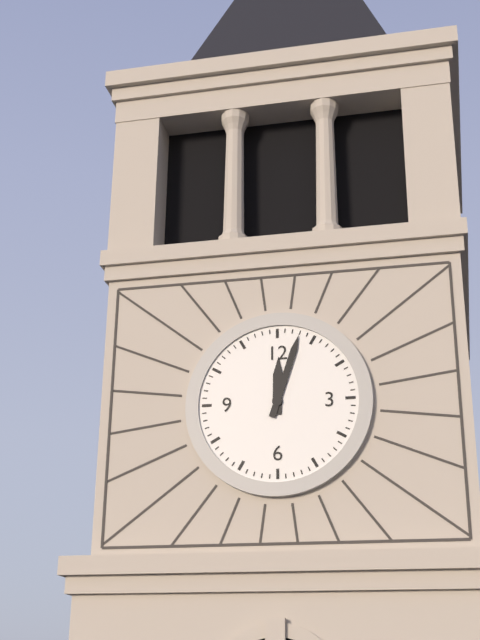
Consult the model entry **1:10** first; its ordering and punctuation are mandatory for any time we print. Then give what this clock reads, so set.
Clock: **12:03**
